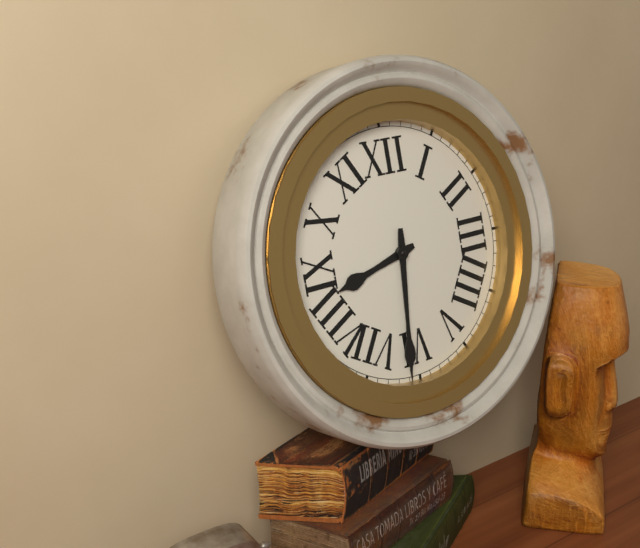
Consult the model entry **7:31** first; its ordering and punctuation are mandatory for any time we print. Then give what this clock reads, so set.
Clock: **8:31**
